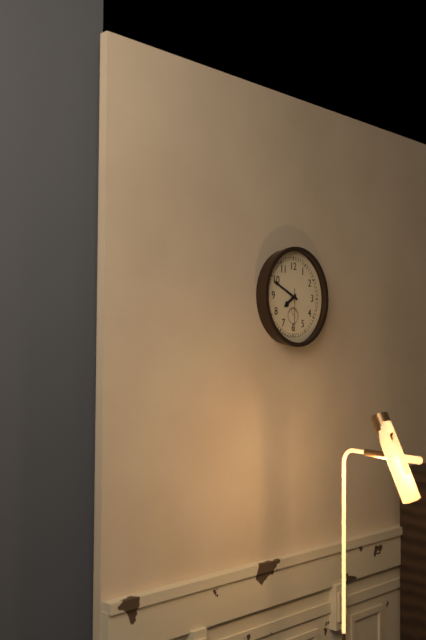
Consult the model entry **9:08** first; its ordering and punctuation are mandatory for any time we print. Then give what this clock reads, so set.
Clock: **7:49**
